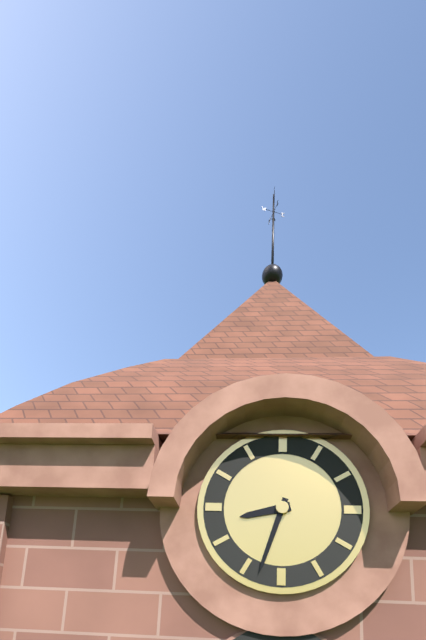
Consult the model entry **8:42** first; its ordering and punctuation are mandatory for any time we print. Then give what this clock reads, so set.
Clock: **8:33**
